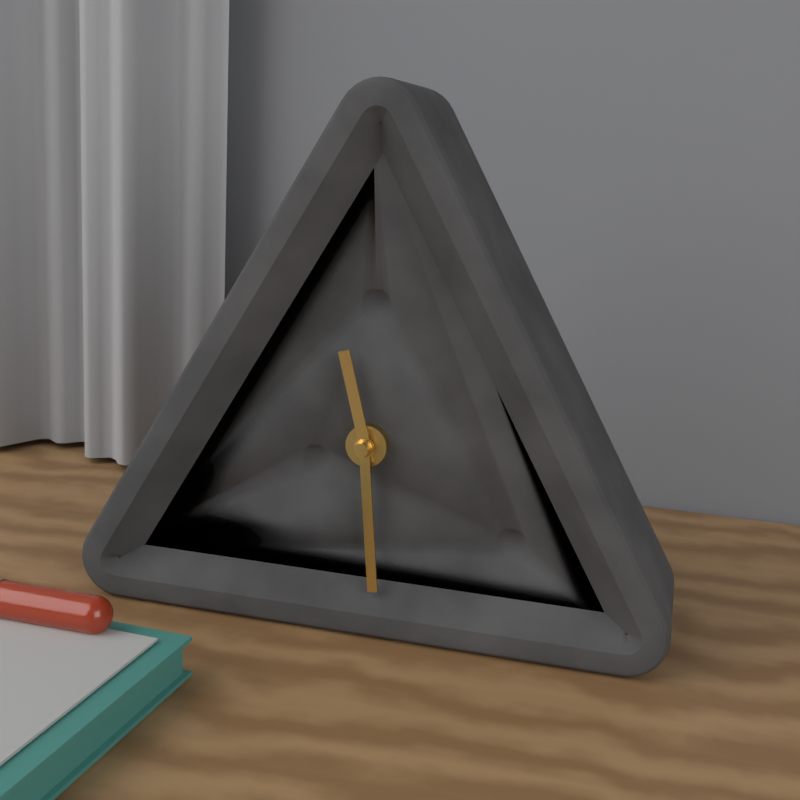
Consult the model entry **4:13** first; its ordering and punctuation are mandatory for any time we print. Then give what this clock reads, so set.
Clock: **11:29**
